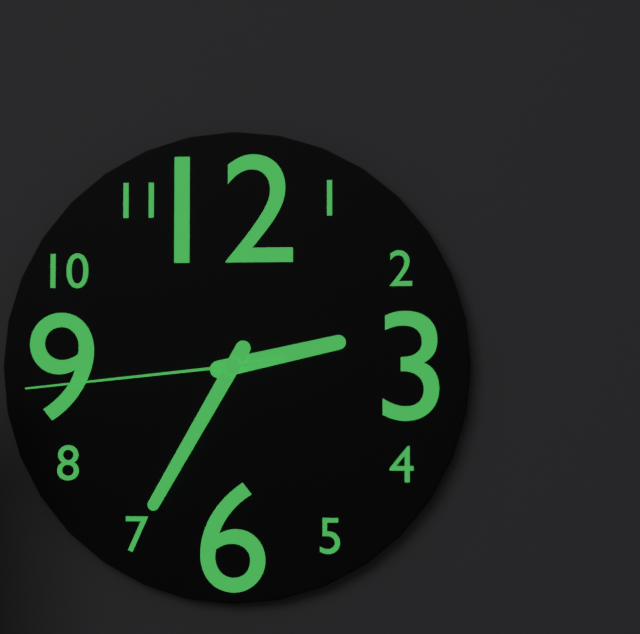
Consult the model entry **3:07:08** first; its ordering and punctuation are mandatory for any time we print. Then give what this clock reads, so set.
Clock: **2:35:44**
